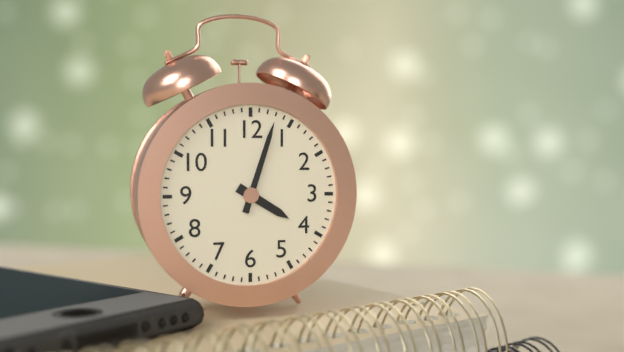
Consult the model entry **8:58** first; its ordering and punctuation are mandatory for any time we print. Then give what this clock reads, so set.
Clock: **4:03**
